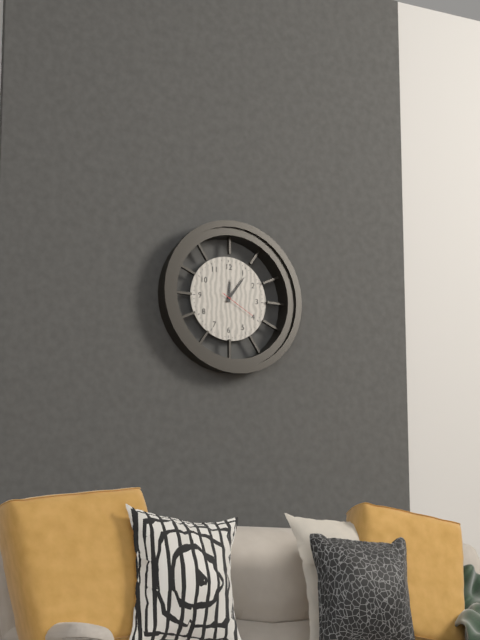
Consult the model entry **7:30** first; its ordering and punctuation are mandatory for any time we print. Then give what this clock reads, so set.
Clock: **12:06**
